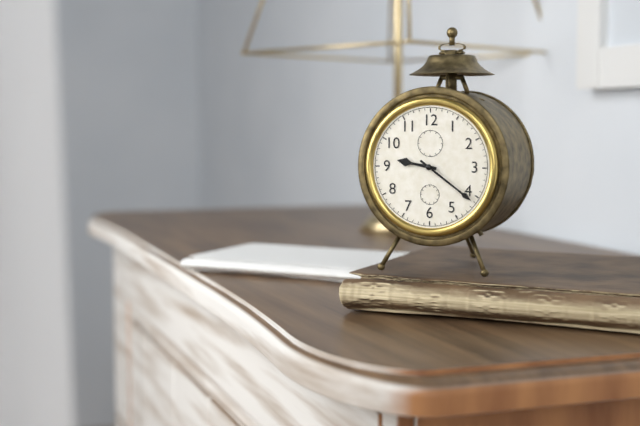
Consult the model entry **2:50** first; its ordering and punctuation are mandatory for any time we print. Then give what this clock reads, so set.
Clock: **9:21**
